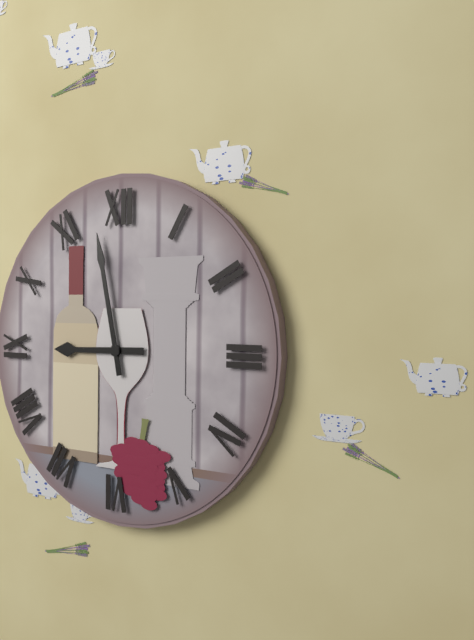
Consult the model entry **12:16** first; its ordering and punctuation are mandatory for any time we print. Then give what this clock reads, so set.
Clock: **8:58**
